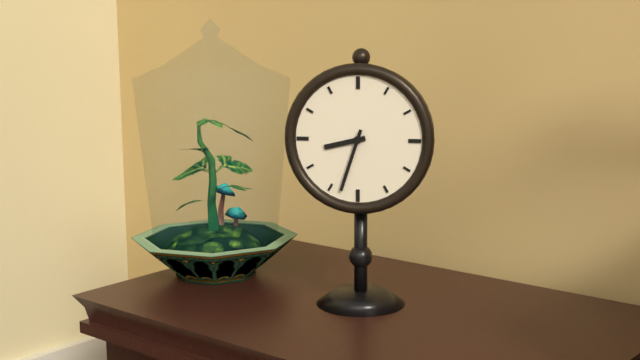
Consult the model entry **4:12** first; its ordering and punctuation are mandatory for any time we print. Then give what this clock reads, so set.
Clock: **8:33**
